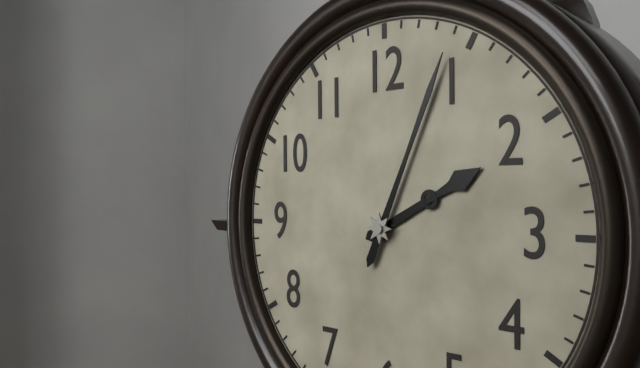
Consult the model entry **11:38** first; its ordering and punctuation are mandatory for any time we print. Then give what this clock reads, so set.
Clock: **2:04**
